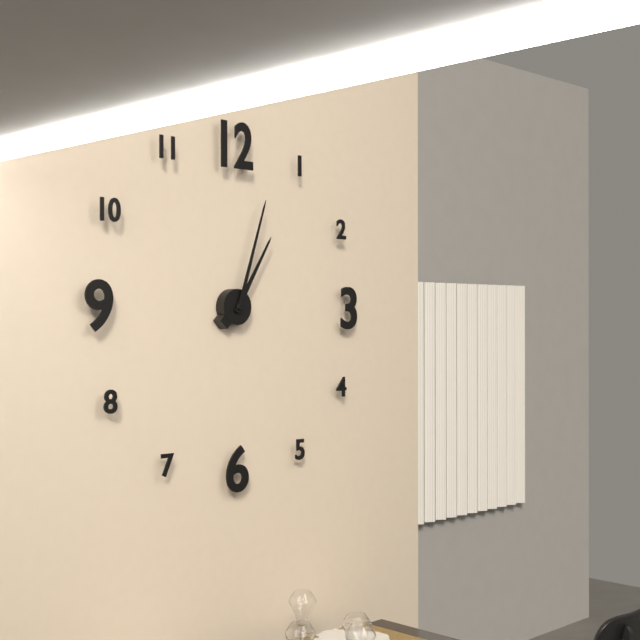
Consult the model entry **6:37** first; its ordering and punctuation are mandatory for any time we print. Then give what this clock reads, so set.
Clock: **1:03**
